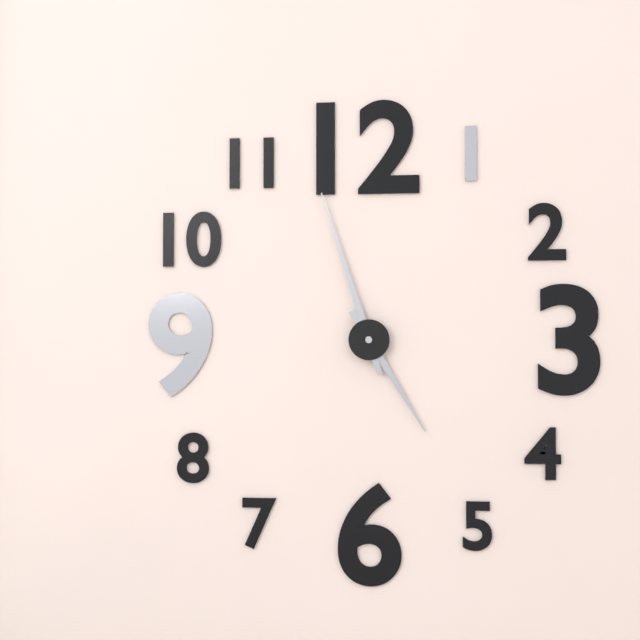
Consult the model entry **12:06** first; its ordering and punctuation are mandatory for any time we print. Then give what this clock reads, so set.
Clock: **4:57**
